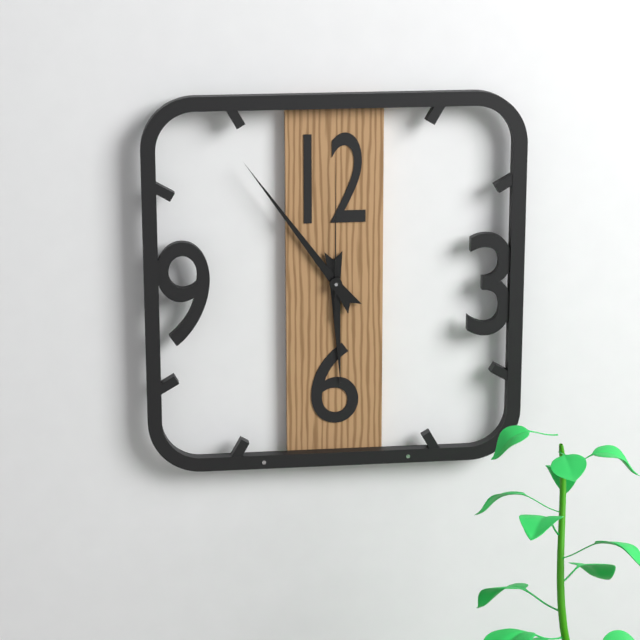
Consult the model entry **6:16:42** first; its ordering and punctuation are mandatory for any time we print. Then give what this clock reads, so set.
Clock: **5:54:00**
